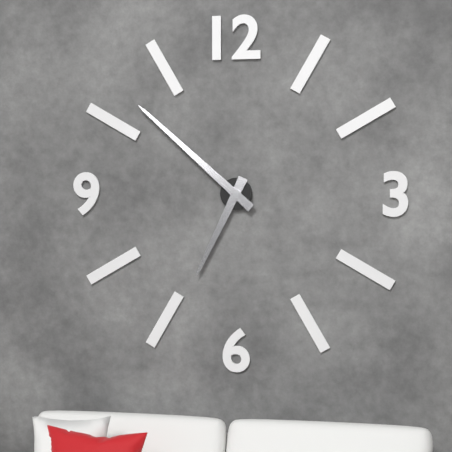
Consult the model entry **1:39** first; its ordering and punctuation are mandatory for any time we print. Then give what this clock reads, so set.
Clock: **6:52**
